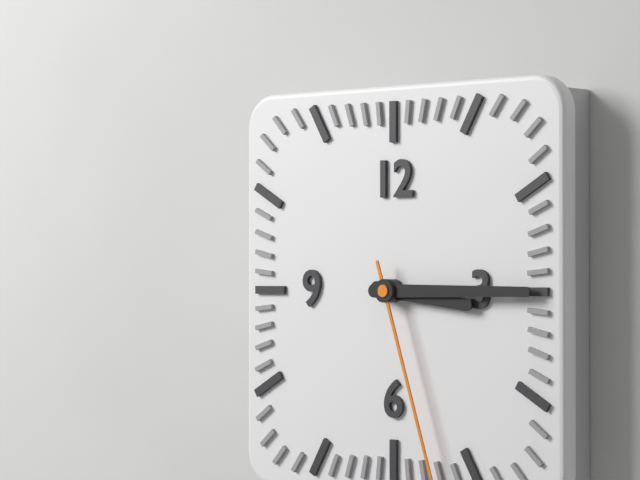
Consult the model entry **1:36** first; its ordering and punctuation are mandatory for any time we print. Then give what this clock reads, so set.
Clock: **3:15**
